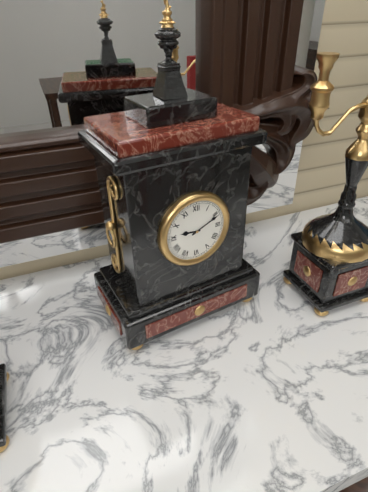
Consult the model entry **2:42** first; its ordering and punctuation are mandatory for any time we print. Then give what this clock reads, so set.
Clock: **9:11**
